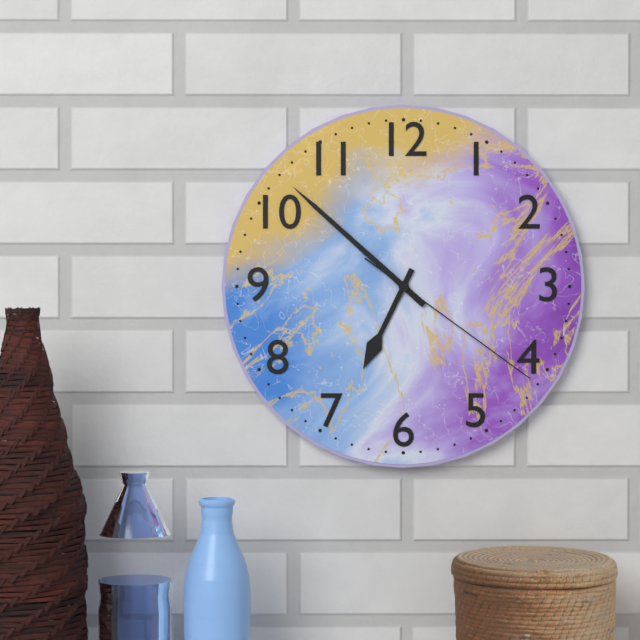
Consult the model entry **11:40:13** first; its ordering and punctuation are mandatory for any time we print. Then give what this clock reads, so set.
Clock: **6:52:21**
